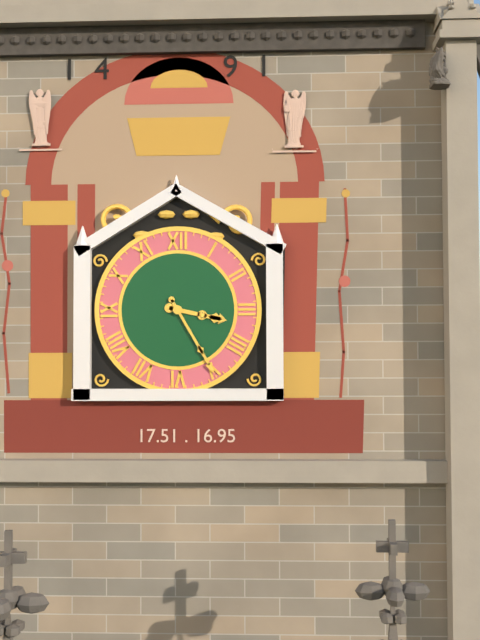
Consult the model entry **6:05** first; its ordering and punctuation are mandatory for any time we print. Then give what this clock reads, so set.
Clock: **3:25**
